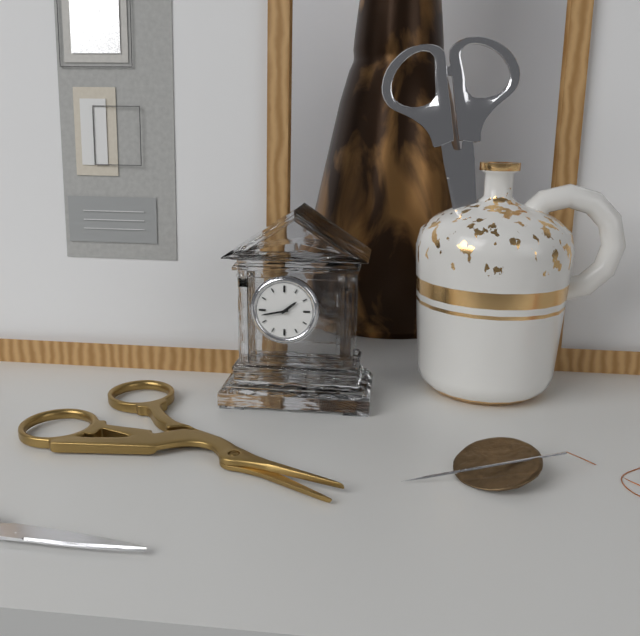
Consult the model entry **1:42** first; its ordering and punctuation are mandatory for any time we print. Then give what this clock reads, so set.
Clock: **1:43**
